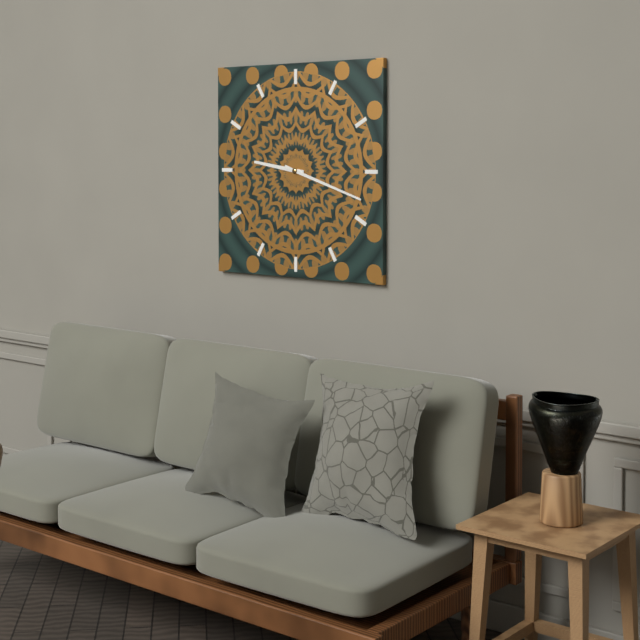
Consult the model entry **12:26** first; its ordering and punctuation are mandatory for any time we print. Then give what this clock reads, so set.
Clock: **9:18**
